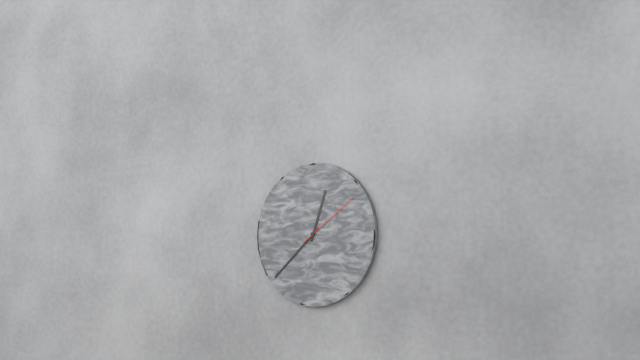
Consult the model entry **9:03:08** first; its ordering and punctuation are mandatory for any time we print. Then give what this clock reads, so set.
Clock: **12:38:09**
